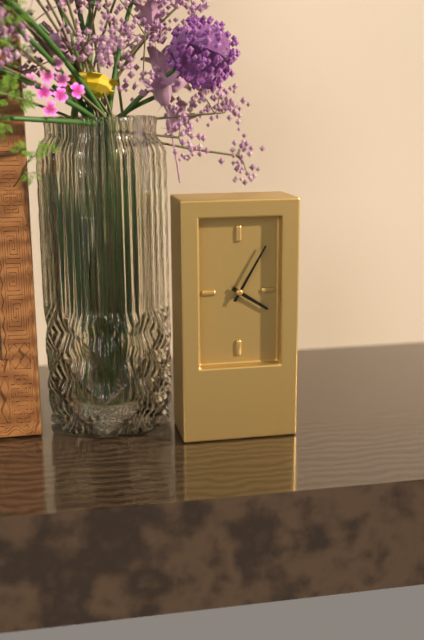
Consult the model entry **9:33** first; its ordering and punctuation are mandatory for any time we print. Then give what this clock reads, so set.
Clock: **4:05**
